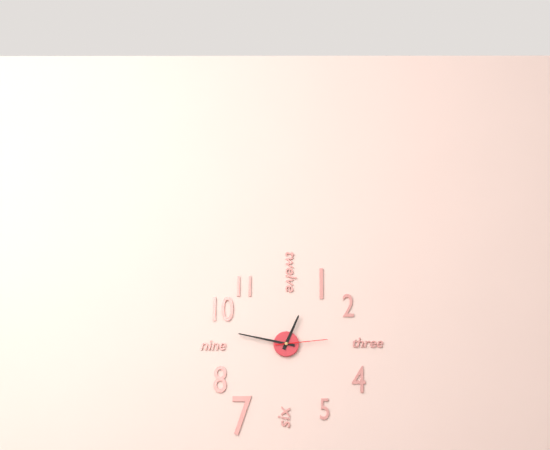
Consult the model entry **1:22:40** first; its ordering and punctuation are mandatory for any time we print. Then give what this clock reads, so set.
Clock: **12:47:14**
